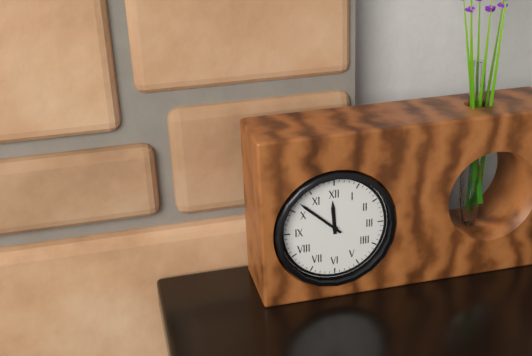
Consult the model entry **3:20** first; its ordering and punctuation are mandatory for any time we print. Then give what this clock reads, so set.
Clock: **11:52**
